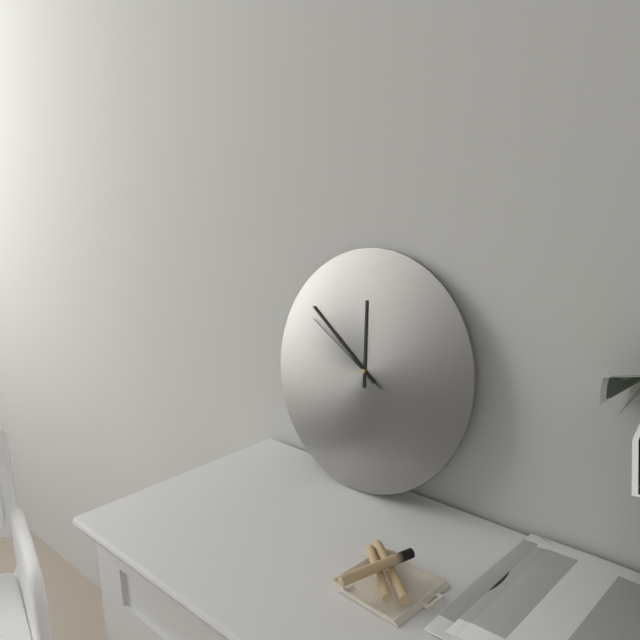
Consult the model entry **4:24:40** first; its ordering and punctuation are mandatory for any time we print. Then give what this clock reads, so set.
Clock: **11:51:50**
